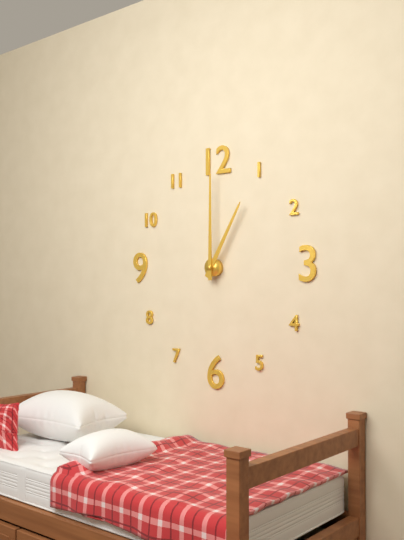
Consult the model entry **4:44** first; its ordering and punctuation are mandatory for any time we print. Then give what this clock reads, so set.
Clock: **1:00**
